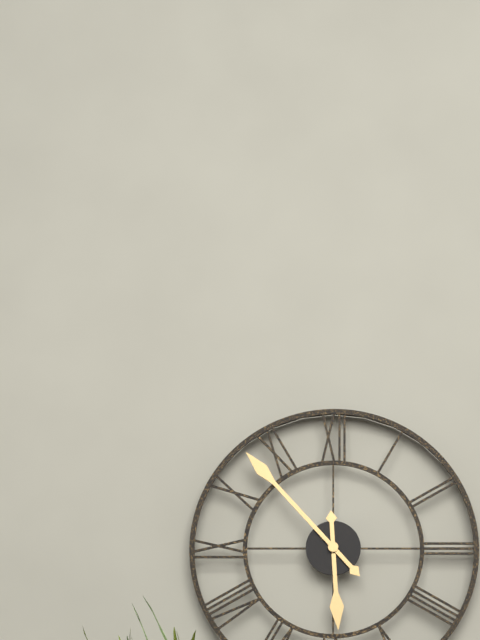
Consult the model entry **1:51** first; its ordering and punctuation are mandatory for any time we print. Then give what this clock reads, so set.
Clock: **5:53**
